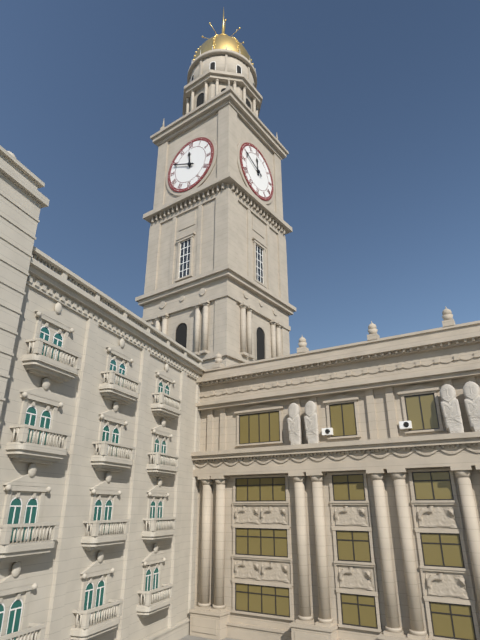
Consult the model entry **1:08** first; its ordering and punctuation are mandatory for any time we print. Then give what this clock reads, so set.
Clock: **11:49**
